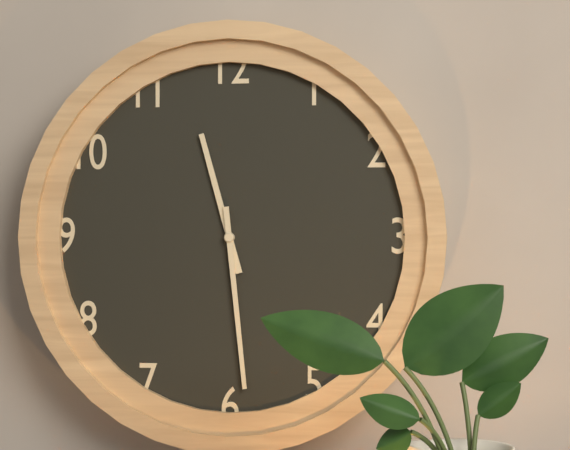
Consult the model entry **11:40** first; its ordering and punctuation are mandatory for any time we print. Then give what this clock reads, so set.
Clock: **11:29**
